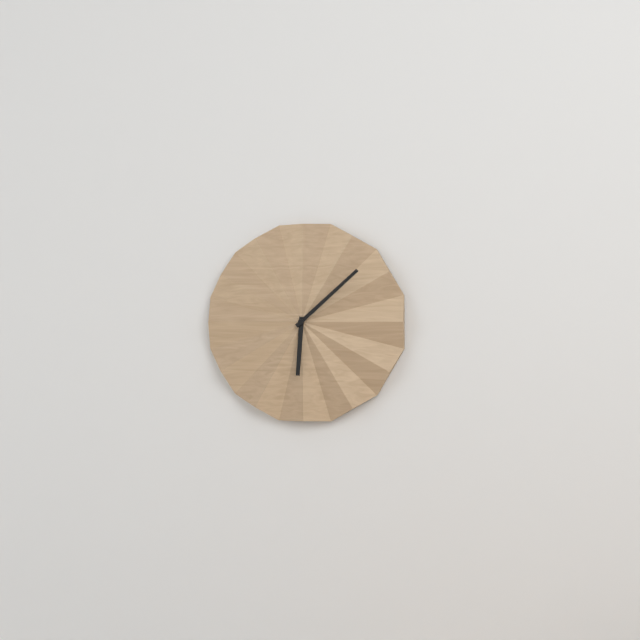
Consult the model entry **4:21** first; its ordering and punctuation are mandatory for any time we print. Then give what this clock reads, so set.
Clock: **6:08**
